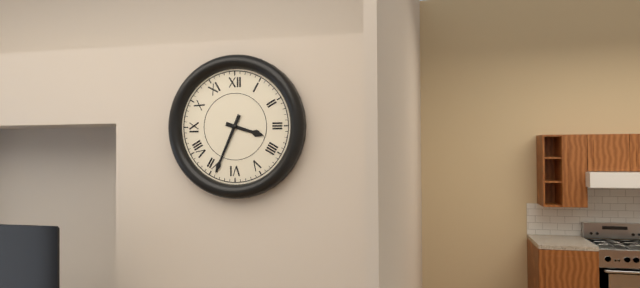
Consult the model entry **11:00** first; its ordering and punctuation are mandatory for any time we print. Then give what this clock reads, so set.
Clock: **3:34**
